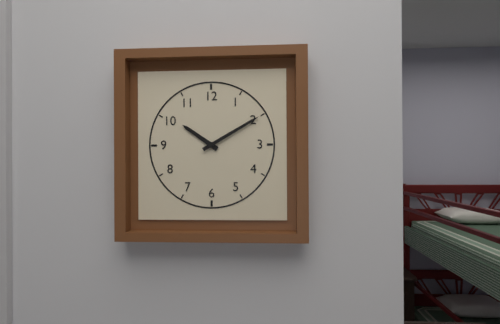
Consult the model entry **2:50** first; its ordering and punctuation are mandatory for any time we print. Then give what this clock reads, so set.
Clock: **10:10**
